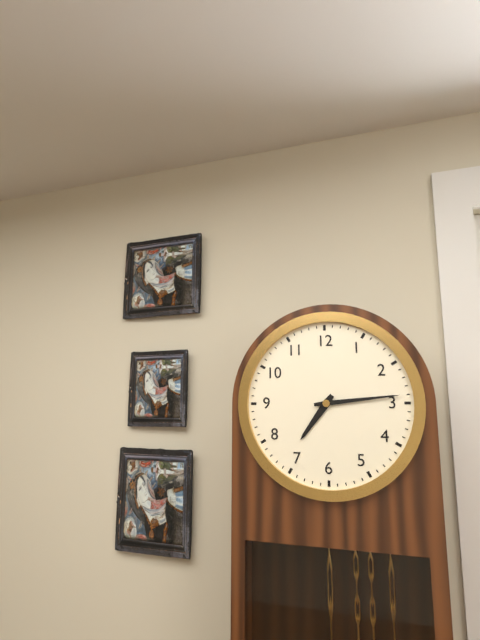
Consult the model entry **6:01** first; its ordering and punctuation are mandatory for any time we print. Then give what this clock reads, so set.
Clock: **7:14**
